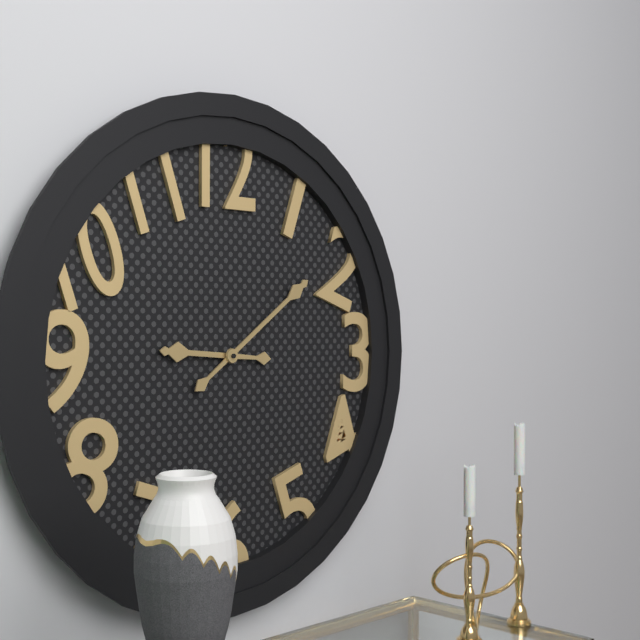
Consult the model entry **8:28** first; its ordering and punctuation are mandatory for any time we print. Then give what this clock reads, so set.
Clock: **9:09**
